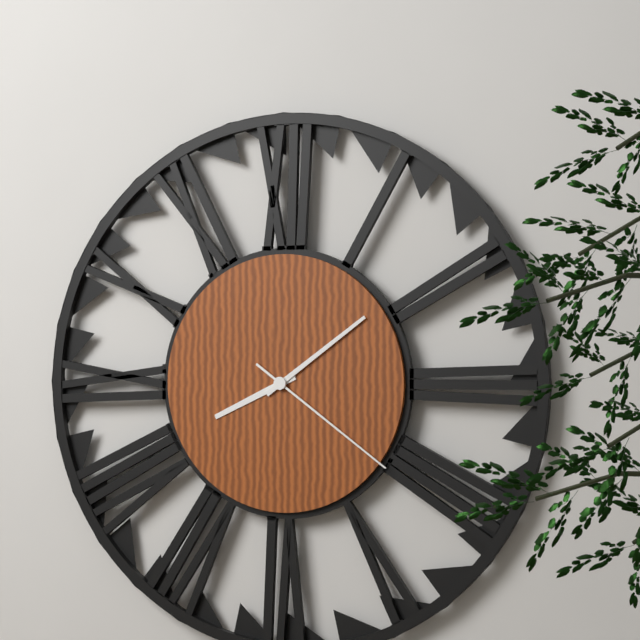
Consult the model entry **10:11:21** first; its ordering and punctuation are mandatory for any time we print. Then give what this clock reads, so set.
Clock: **8:09:21**
